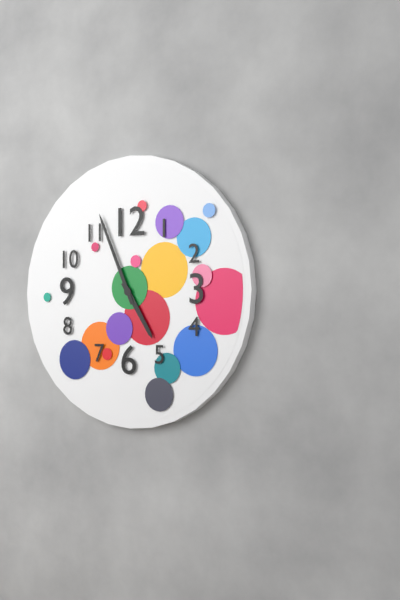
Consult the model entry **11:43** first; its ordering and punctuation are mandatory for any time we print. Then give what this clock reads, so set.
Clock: **4:56**
